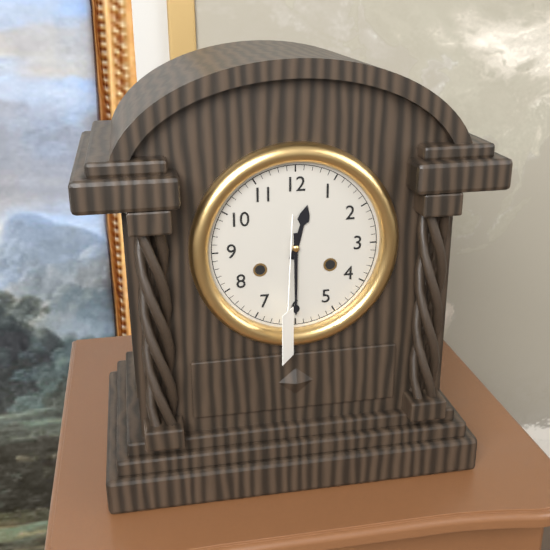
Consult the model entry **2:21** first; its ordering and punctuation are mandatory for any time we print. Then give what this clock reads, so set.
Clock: **12:30**
